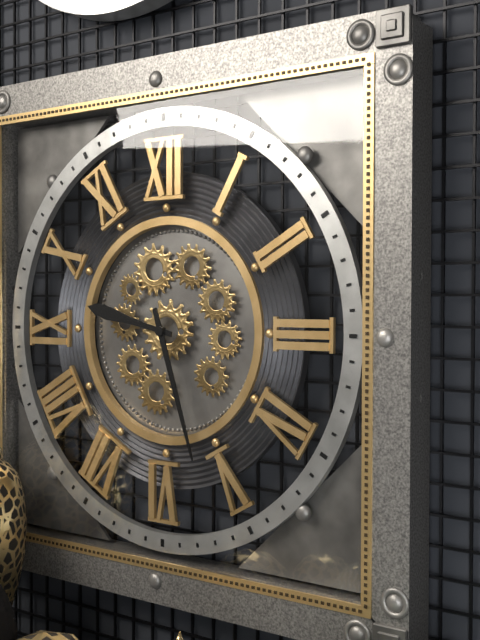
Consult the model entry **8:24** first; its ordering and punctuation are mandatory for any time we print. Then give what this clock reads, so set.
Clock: **9:27**
